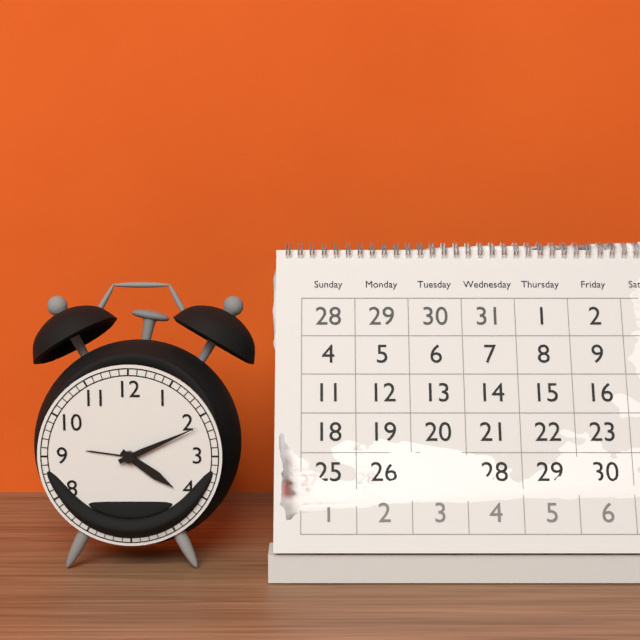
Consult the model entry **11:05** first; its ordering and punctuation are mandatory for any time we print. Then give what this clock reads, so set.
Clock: **4:11**
